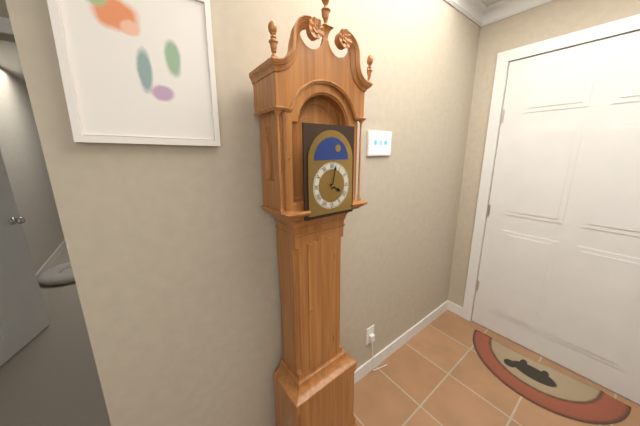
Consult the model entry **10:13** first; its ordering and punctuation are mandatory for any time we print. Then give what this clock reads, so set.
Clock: **4:02**
